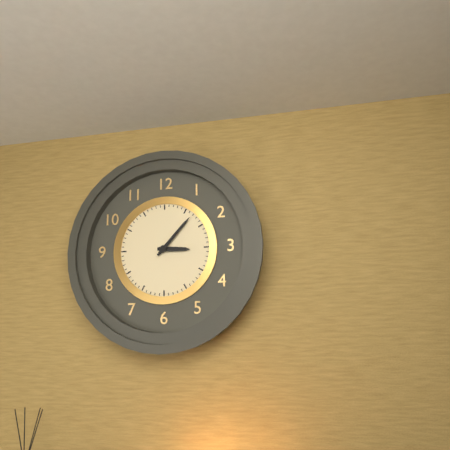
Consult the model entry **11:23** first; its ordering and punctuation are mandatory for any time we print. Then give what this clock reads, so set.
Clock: **3:07**
